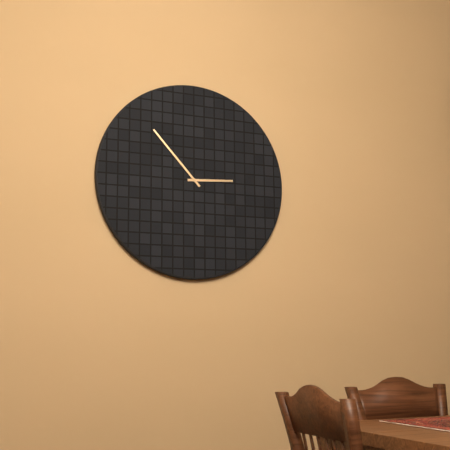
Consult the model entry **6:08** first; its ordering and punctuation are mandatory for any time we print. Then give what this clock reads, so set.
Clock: **2:53**
